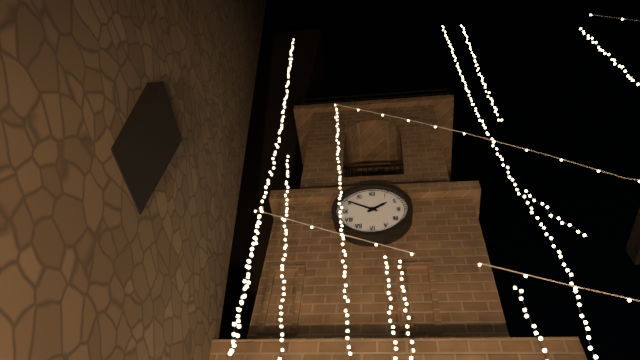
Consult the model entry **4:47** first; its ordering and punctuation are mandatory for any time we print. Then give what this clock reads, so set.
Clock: **1:50**
